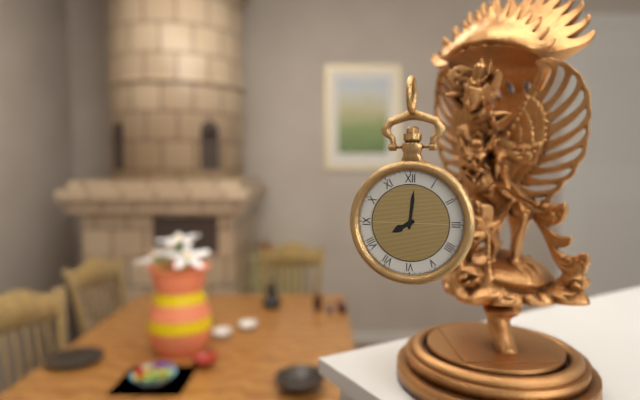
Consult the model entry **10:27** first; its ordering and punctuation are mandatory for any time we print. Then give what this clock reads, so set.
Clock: **8:01**
